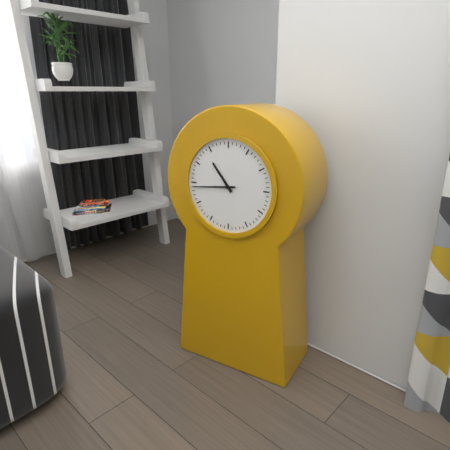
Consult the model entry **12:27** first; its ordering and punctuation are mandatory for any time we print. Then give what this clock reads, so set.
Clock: **10:44**
